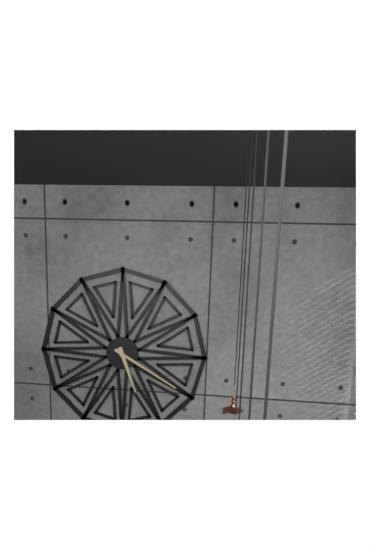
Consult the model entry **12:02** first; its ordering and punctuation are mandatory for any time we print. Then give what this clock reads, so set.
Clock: **5:20**
